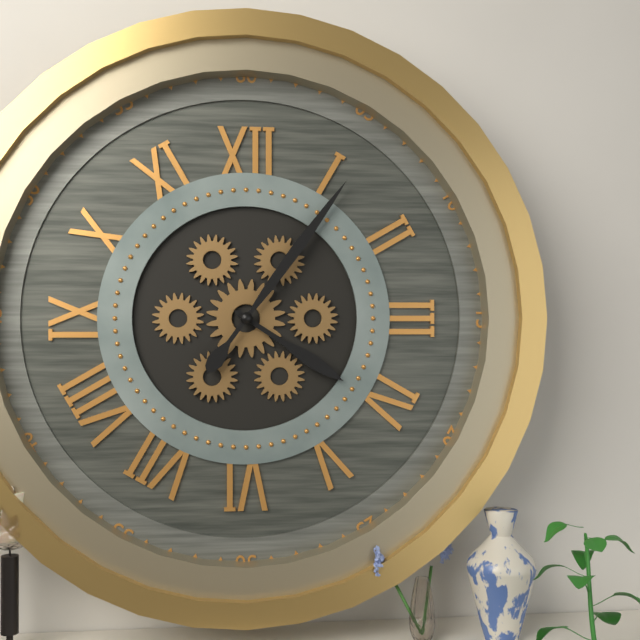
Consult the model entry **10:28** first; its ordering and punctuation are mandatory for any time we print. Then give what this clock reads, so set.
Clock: **4:06**
